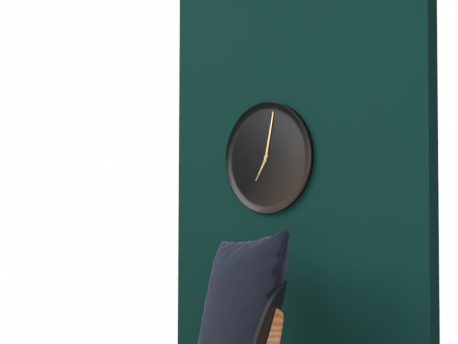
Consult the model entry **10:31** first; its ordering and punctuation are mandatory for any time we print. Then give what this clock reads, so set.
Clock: **7:02**
